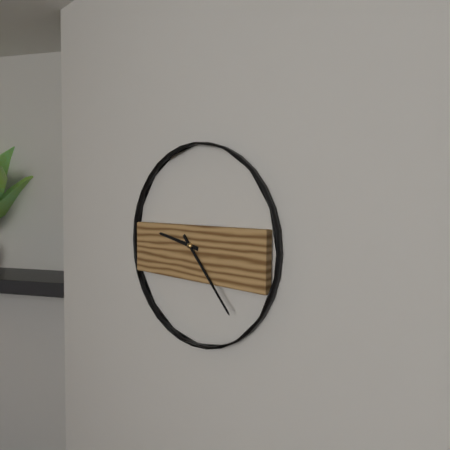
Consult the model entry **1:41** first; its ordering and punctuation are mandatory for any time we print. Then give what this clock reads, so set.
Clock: **9:23**
